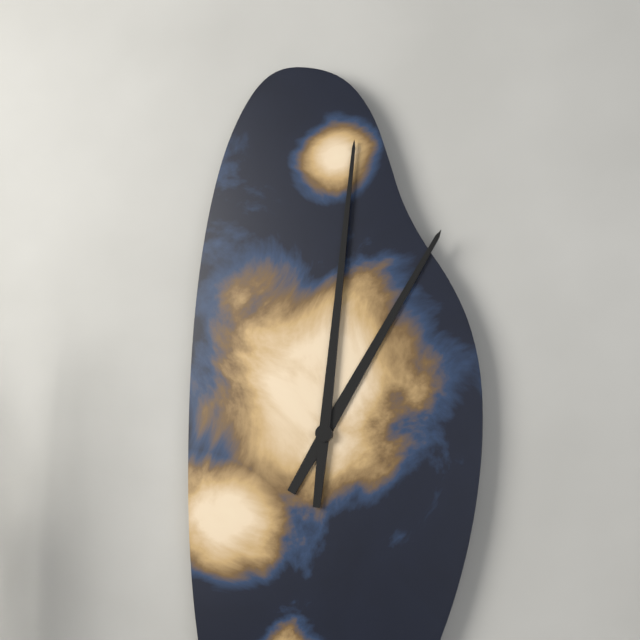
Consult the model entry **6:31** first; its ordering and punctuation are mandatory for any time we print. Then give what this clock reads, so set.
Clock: **1:01**
